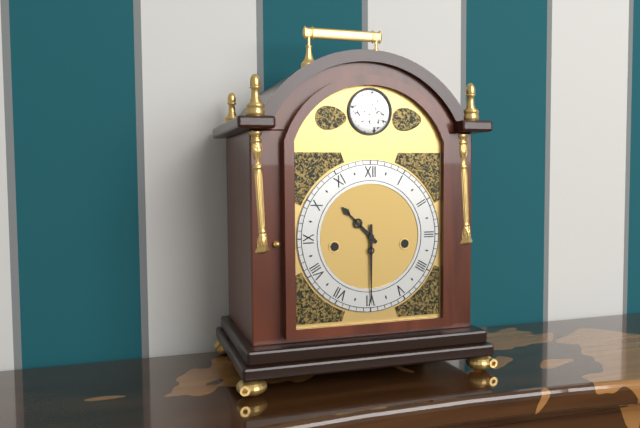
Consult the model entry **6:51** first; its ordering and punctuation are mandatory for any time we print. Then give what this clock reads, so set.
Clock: **10:30**
